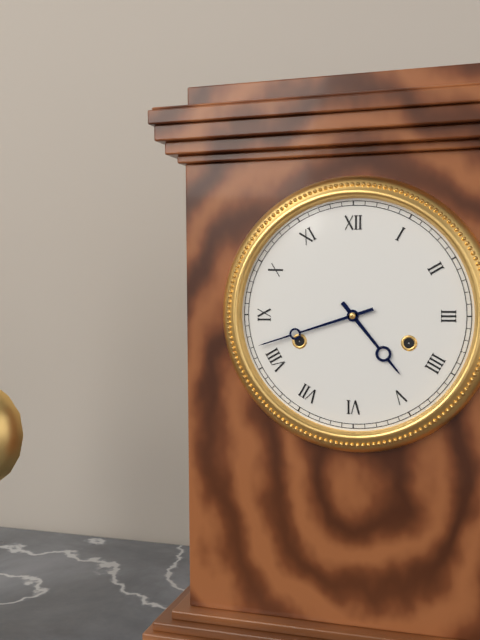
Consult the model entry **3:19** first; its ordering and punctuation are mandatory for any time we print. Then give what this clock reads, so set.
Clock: **4:42**
